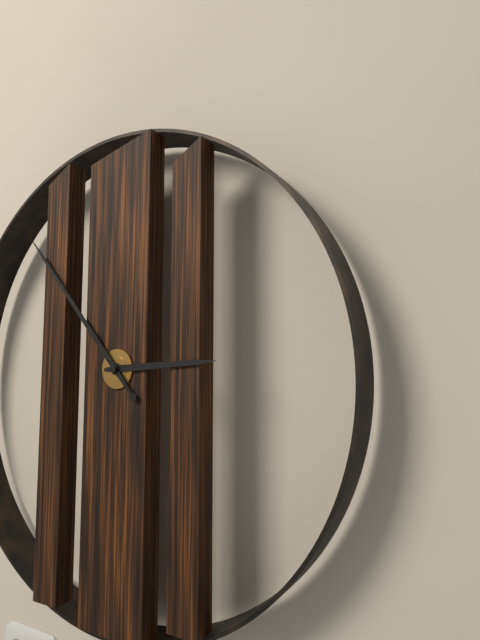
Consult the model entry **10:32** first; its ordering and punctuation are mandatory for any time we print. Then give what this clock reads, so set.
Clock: **2:53**
